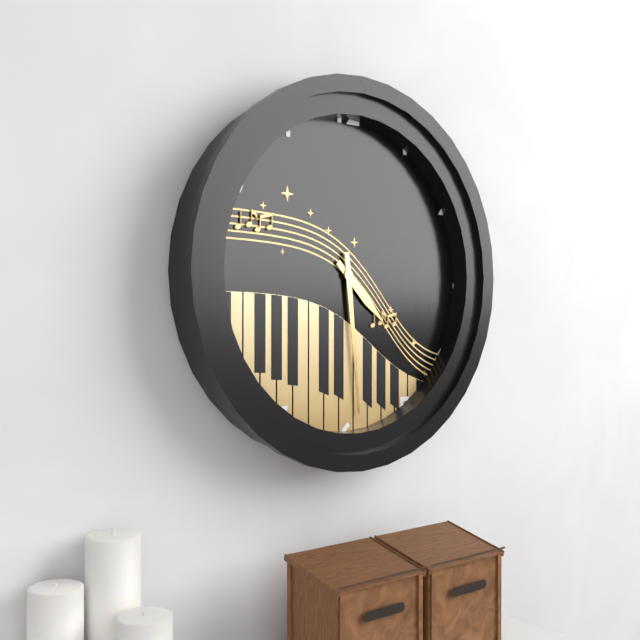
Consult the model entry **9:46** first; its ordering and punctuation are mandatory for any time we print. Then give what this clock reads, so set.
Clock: **4:29**
